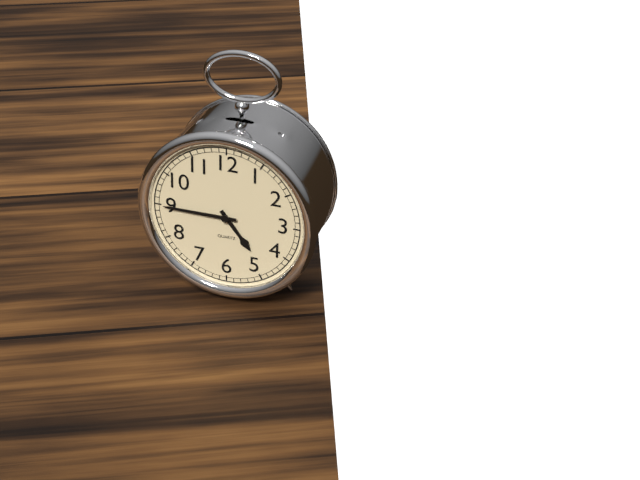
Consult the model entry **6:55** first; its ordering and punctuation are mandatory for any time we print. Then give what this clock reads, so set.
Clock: **4:45**
